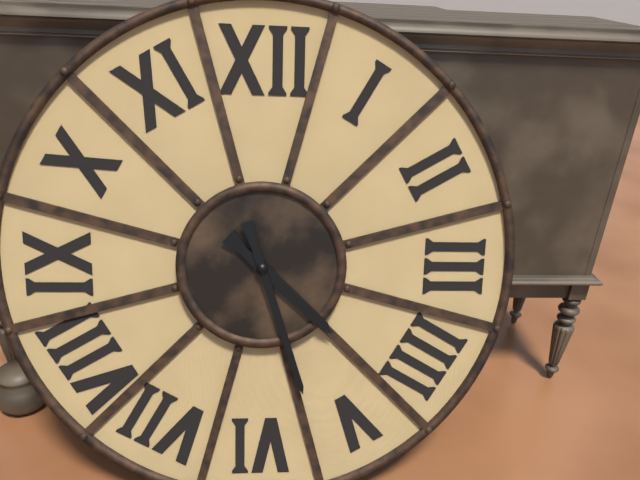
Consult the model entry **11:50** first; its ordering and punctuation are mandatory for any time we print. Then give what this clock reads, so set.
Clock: **4:27**
